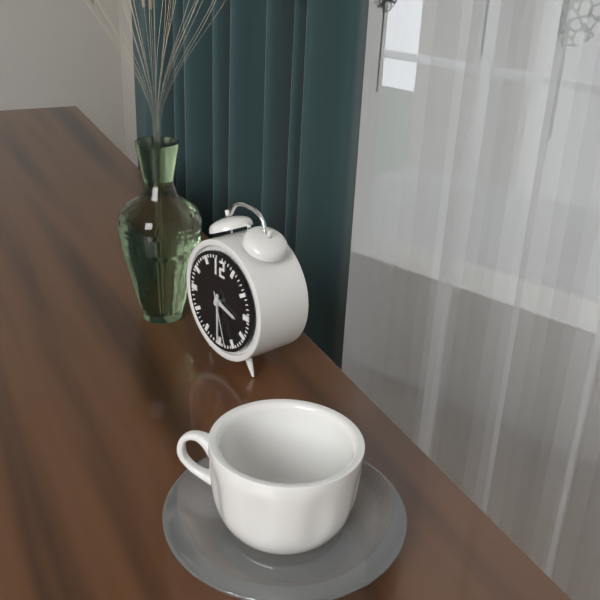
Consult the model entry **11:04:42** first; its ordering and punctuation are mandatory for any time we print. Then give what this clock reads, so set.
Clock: **3:30:27**
